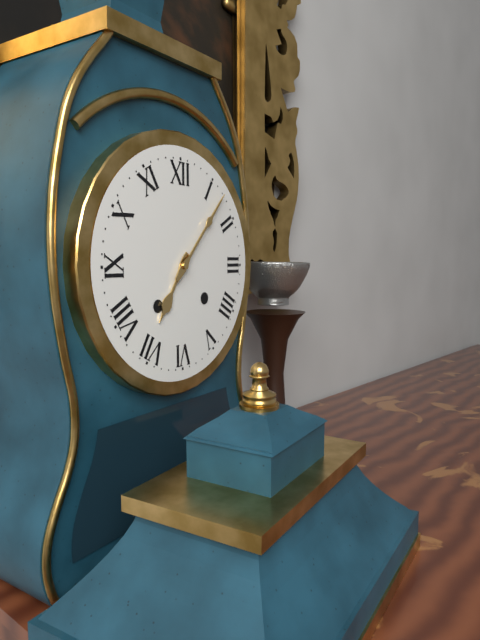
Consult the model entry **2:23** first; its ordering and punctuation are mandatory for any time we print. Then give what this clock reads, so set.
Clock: **7:07**
